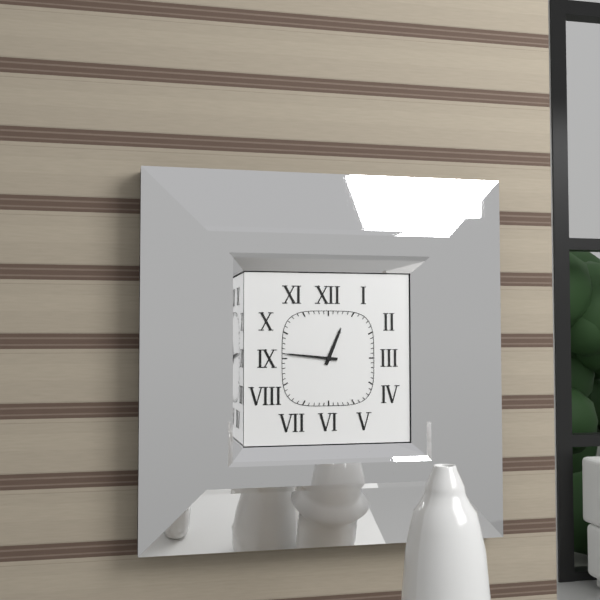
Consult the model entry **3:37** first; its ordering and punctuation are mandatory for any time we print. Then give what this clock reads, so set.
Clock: **12:46**
